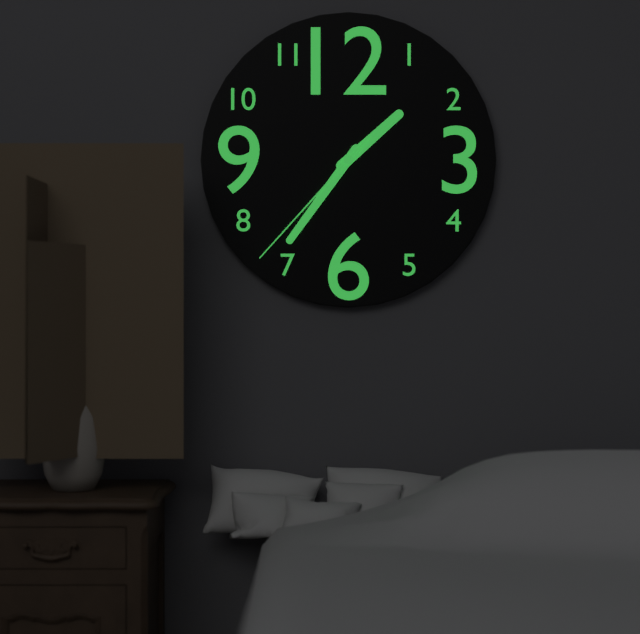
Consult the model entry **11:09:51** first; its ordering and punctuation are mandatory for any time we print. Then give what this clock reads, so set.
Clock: **1:36:37**
